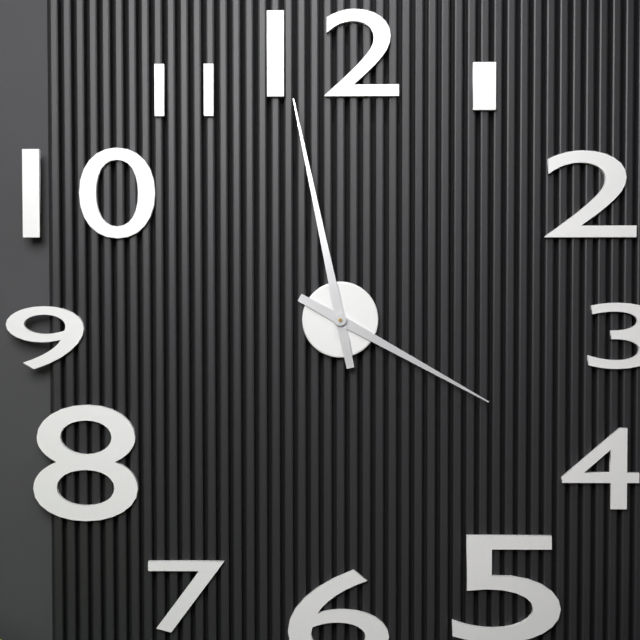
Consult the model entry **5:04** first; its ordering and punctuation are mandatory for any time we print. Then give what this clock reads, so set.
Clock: **3:58**
